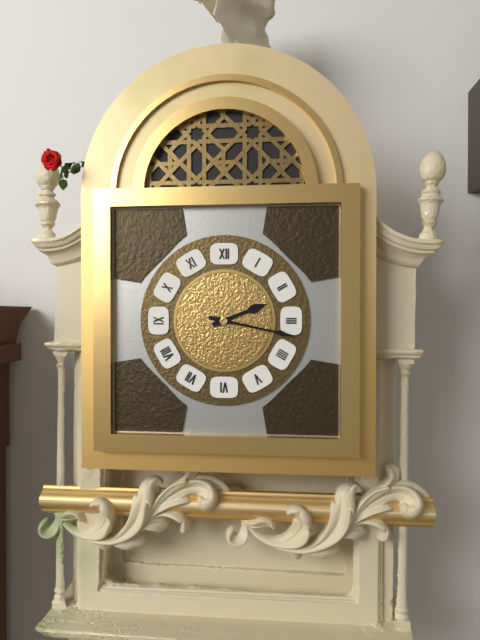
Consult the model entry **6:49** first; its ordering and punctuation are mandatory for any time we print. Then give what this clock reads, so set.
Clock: **2:17**
